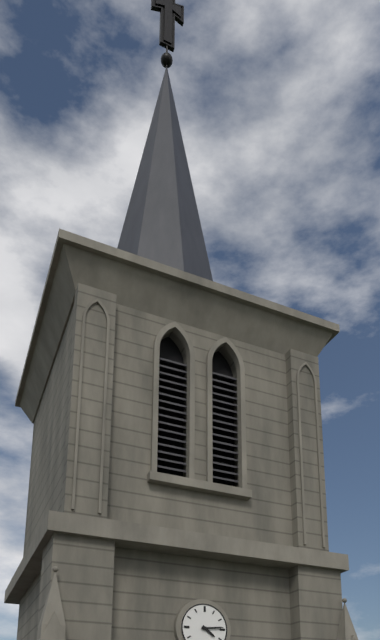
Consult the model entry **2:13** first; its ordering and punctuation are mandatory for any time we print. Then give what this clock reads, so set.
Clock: **4:14**
